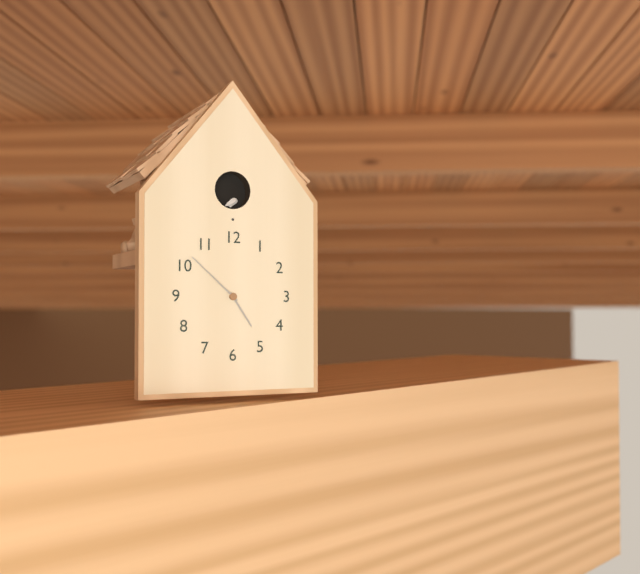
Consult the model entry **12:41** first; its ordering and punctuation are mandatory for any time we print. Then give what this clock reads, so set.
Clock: **4:52**
